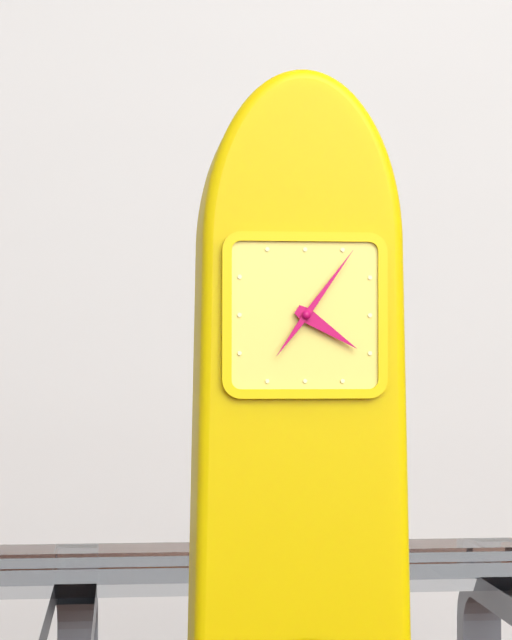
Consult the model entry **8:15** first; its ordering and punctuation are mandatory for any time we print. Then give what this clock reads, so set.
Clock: **4:06**
